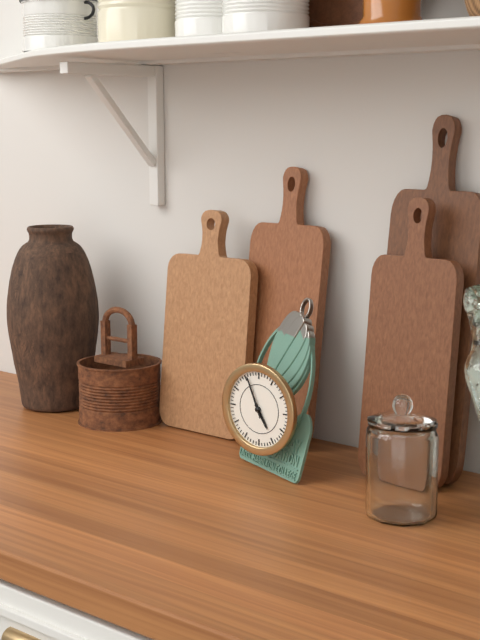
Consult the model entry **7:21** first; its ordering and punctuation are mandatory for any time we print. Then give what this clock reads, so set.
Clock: **4:56**
